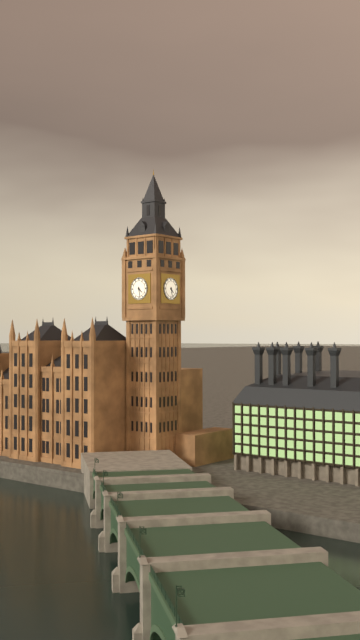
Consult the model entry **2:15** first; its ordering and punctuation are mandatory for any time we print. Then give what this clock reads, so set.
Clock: **4:28**
